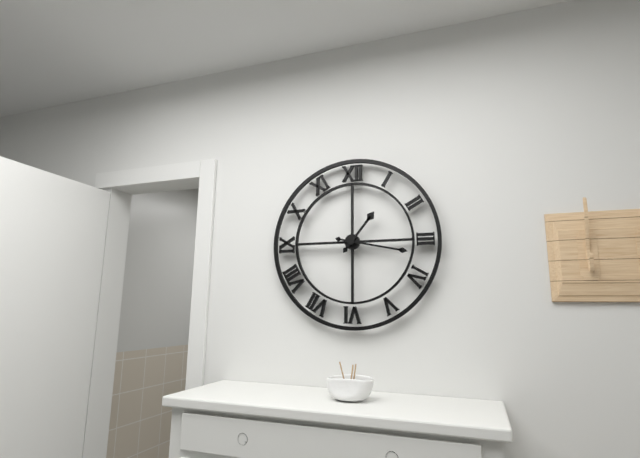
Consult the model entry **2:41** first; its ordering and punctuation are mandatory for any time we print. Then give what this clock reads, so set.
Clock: **1:17**
